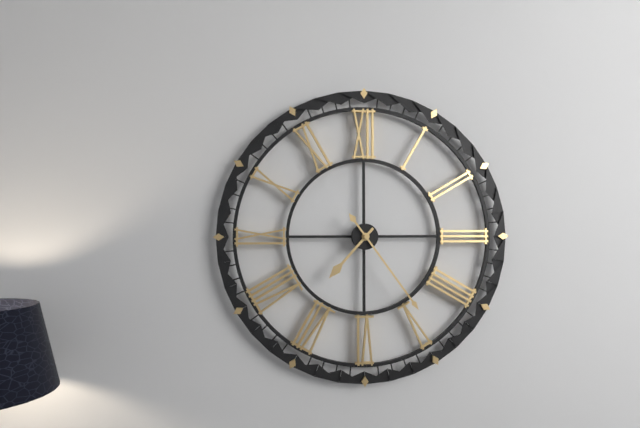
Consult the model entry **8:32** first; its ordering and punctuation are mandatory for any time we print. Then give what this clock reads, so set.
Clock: **7:24**
